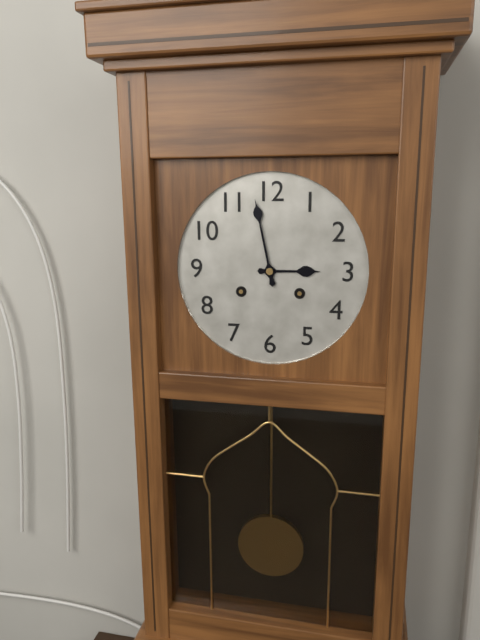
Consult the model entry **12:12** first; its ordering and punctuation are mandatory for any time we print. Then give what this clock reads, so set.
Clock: **2:58**
